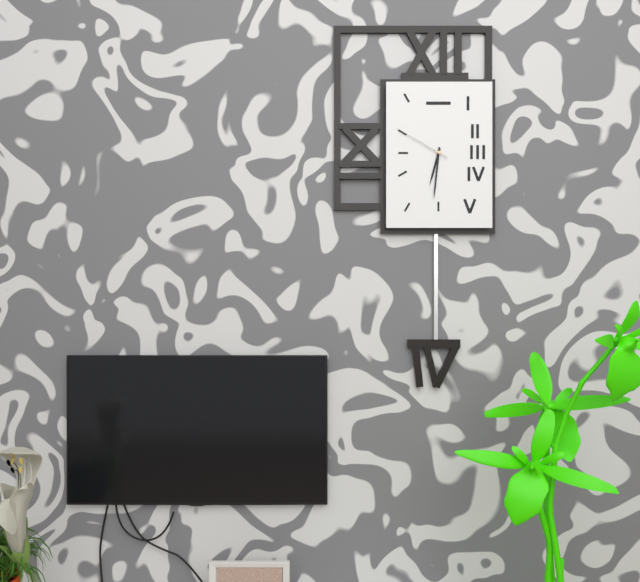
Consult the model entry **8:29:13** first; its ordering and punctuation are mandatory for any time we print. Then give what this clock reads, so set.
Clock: **6:31:50**
